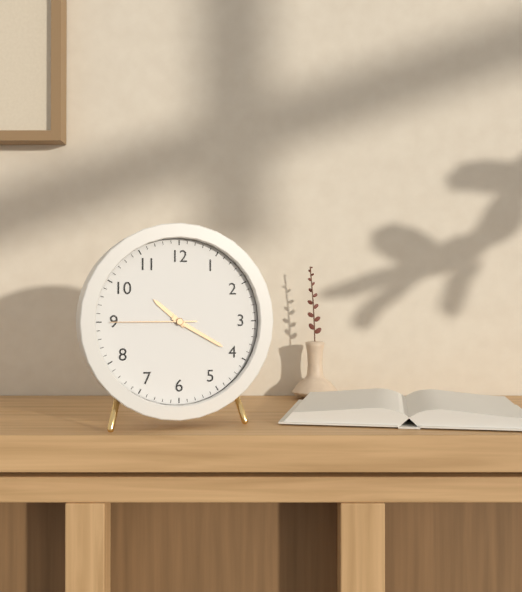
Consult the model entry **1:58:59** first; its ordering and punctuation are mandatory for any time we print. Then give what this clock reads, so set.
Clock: **10:20:45**
